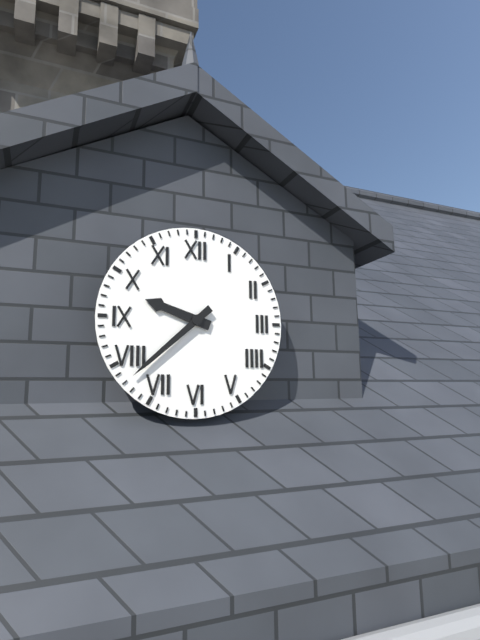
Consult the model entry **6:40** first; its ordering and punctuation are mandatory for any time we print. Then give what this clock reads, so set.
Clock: **9:38**
